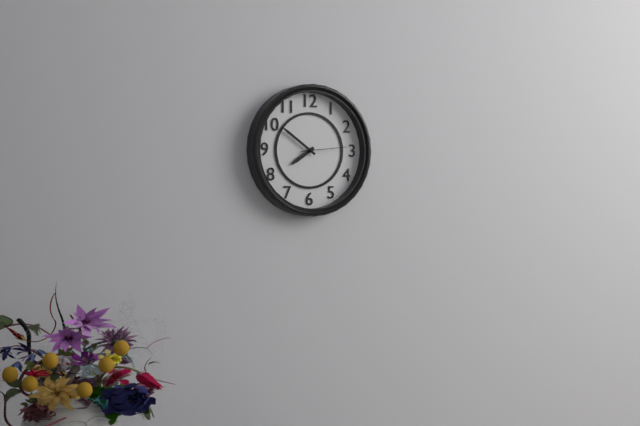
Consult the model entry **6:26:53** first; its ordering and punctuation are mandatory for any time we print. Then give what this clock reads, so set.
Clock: **7:51:14**
